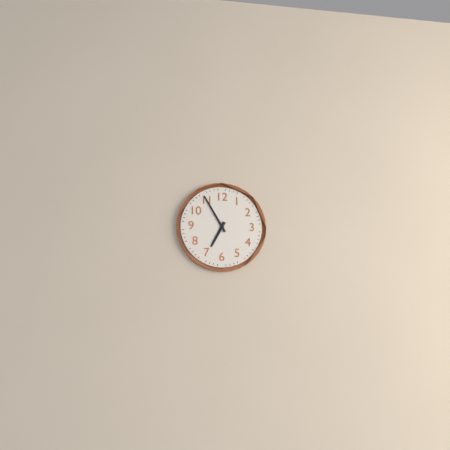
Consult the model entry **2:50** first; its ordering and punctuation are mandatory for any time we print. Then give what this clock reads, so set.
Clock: **6:55**
